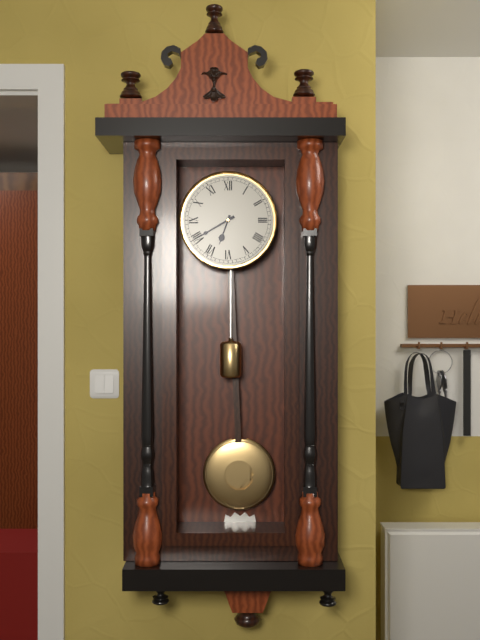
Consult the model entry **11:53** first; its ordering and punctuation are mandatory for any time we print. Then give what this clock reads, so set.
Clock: **6:40**
